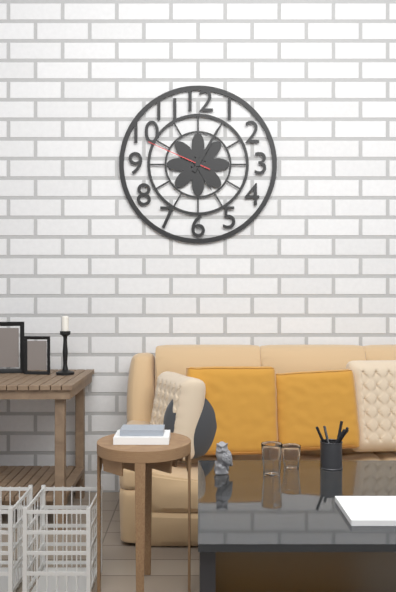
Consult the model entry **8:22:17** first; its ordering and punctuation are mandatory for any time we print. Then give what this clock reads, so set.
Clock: **5:05:49**
